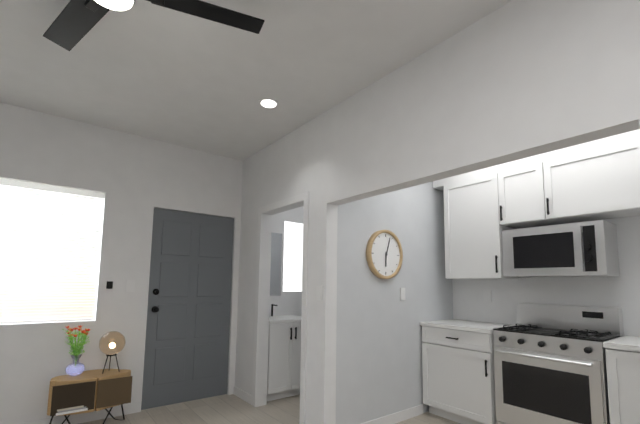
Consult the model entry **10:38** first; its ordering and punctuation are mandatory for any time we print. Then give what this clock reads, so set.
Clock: **6:03**
